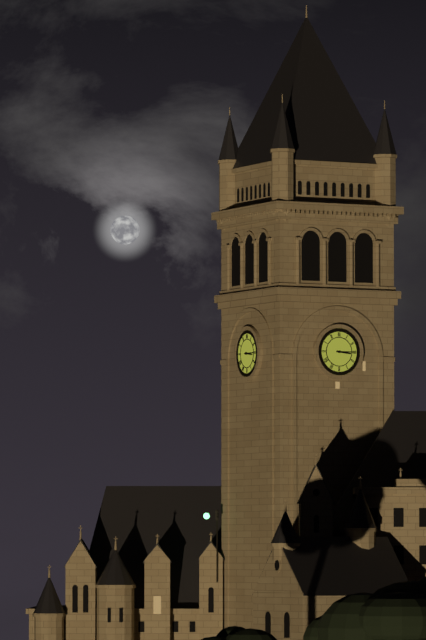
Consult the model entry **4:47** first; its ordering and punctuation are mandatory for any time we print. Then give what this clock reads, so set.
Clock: **3:15**
